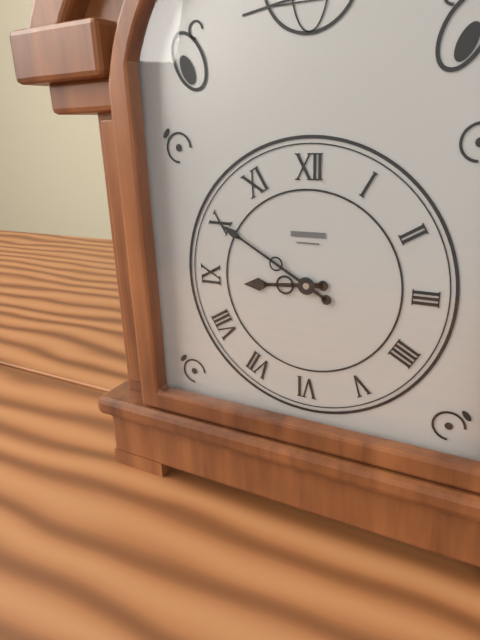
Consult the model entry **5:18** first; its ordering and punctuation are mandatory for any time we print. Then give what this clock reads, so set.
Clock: **8:50**
